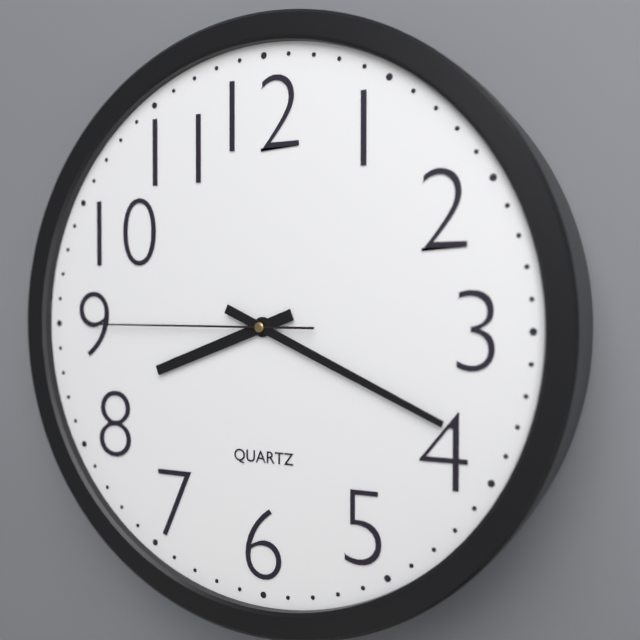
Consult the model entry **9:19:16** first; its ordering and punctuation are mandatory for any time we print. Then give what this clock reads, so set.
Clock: **8:19:45**
